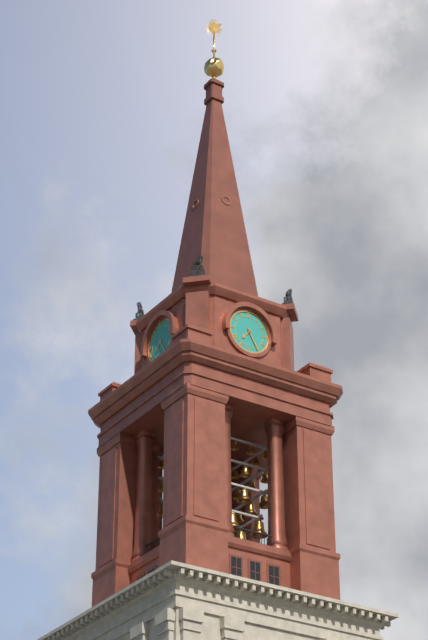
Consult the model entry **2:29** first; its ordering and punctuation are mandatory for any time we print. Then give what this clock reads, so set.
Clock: **7:25**
